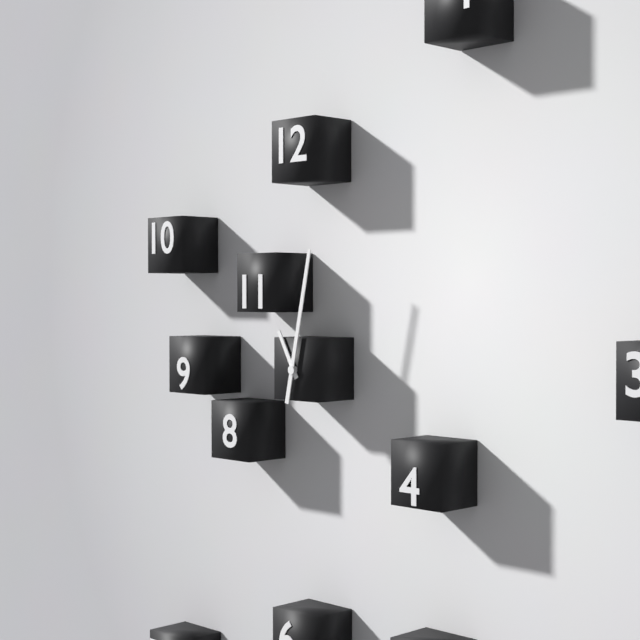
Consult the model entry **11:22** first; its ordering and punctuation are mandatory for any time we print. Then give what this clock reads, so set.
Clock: **11:02**
